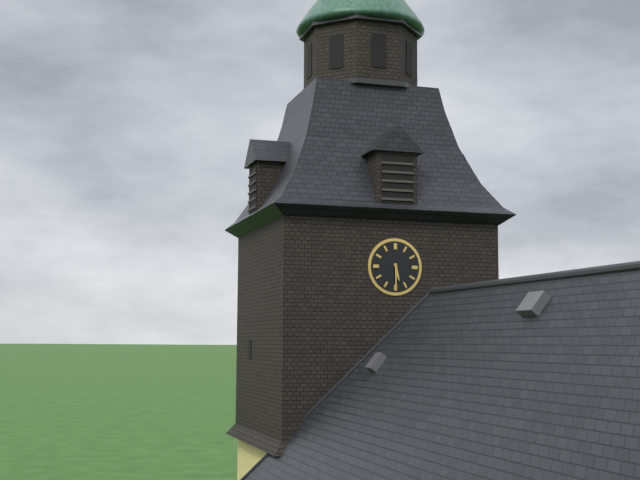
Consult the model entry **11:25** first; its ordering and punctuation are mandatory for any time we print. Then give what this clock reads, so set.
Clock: **5:30**
